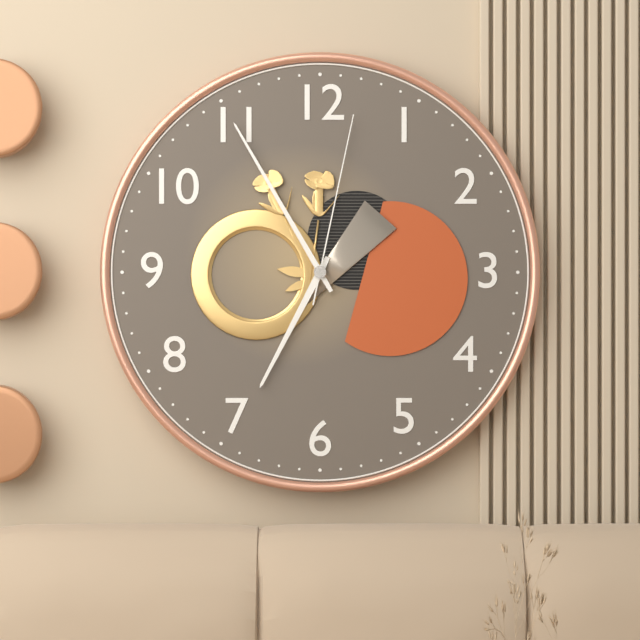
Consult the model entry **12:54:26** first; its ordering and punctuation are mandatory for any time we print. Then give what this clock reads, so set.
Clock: **6:55:02**
